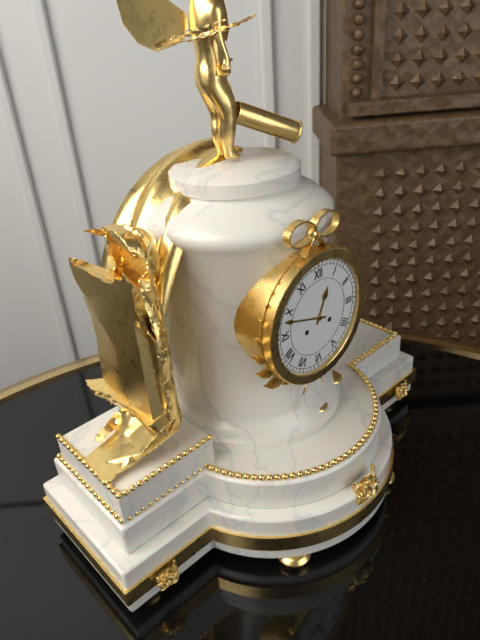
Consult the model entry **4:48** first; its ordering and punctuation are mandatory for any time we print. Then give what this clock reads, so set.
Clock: **12:48**
